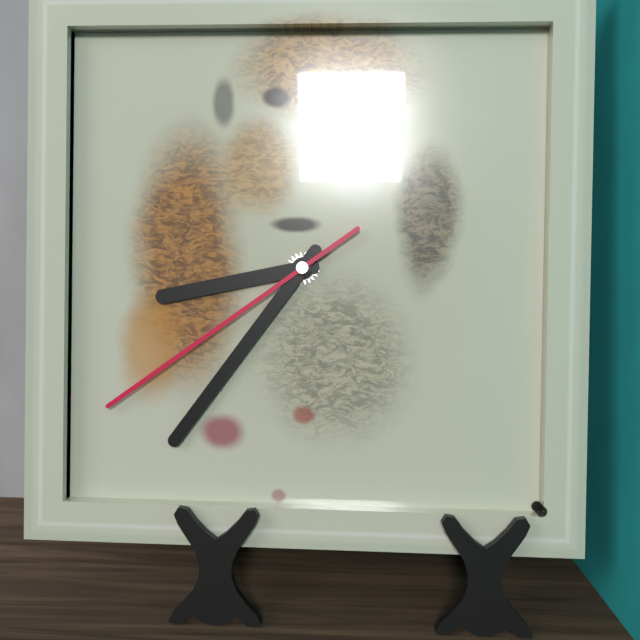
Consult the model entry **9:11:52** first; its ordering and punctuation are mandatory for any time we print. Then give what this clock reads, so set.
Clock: **8:36:39**
